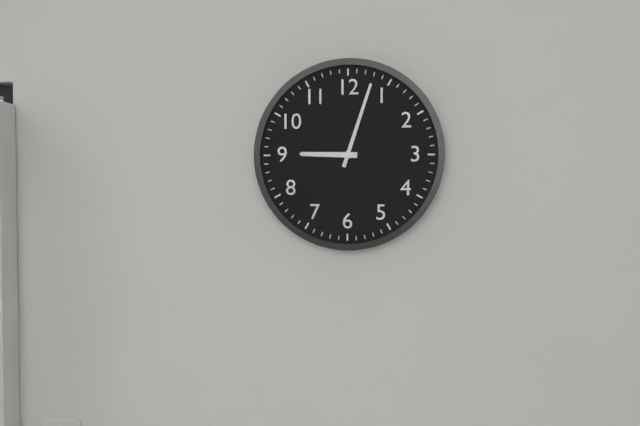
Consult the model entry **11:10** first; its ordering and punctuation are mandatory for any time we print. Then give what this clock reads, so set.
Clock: **9:03**
